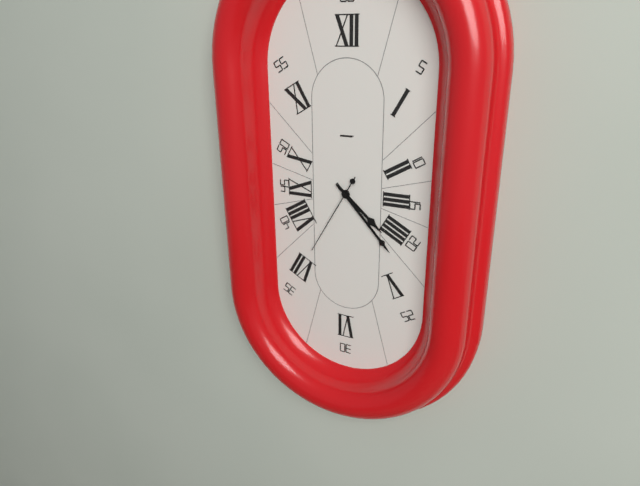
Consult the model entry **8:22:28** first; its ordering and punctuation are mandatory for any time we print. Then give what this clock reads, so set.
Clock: **4:23:35**
